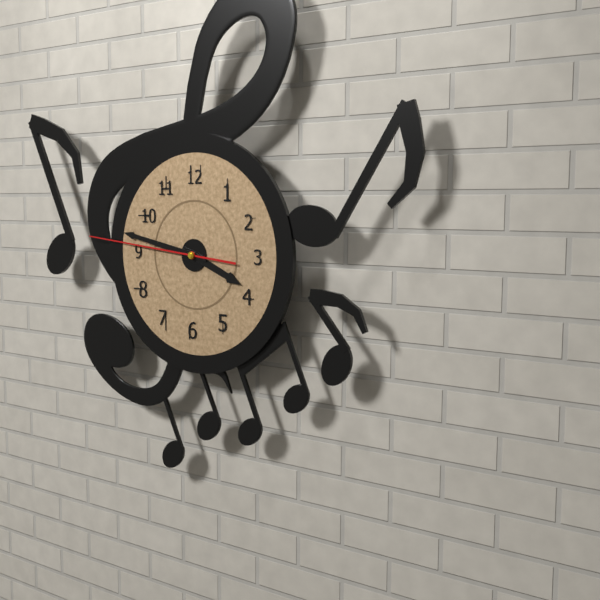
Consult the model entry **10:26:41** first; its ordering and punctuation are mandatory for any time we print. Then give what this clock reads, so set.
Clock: **3:47:46**
